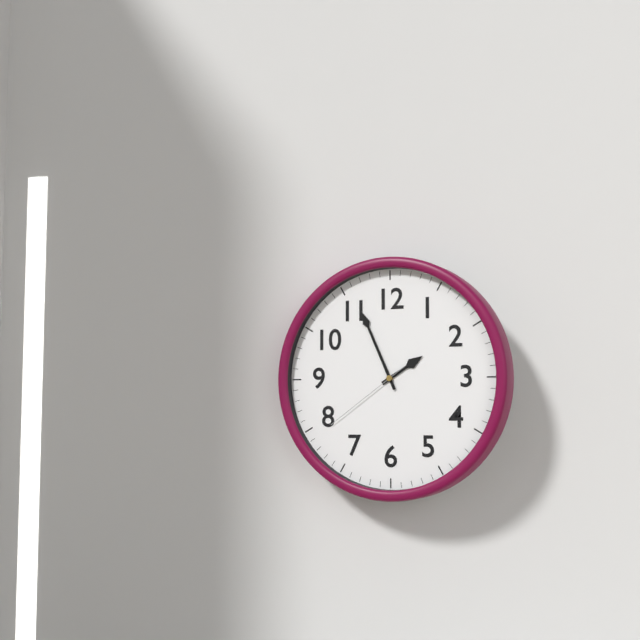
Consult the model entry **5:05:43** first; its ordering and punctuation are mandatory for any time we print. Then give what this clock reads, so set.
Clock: **1:56:39**
